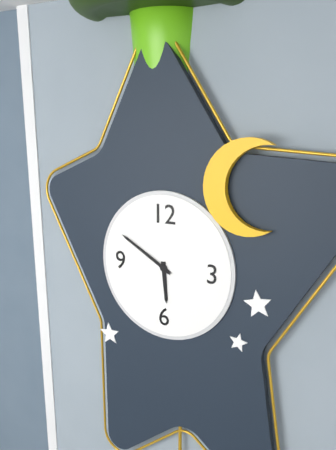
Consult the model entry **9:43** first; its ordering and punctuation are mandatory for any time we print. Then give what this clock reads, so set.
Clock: **5:50**
